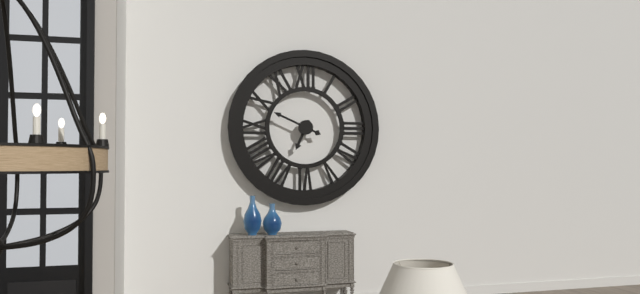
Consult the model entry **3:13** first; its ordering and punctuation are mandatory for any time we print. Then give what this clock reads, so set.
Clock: **6:49**
